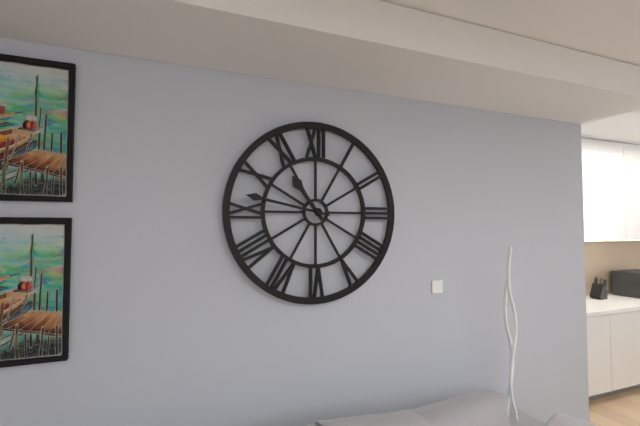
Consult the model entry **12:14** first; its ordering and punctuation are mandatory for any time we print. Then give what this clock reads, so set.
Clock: **10:47**
